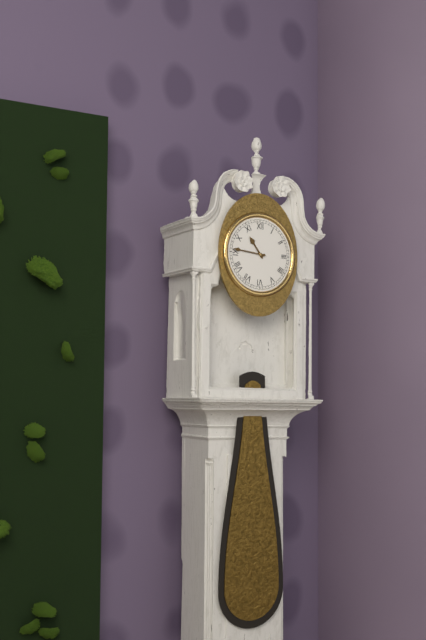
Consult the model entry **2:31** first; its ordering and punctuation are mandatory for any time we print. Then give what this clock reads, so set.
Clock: **10:46**
